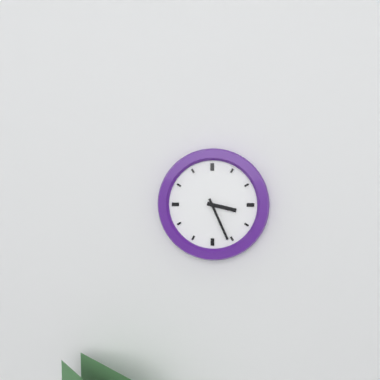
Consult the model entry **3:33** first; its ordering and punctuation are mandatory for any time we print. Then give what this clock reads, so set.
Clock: **3:26**
